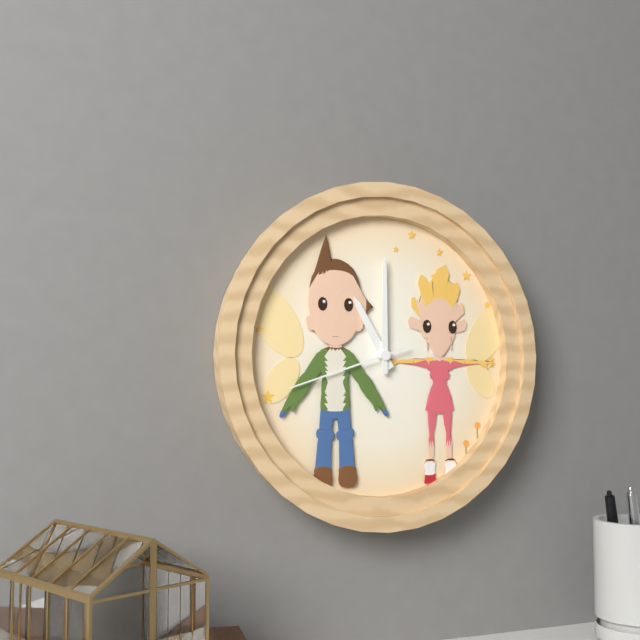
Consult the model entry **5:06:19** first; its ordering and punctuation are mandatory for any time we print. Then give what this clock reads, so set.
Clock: **11:00:42**
